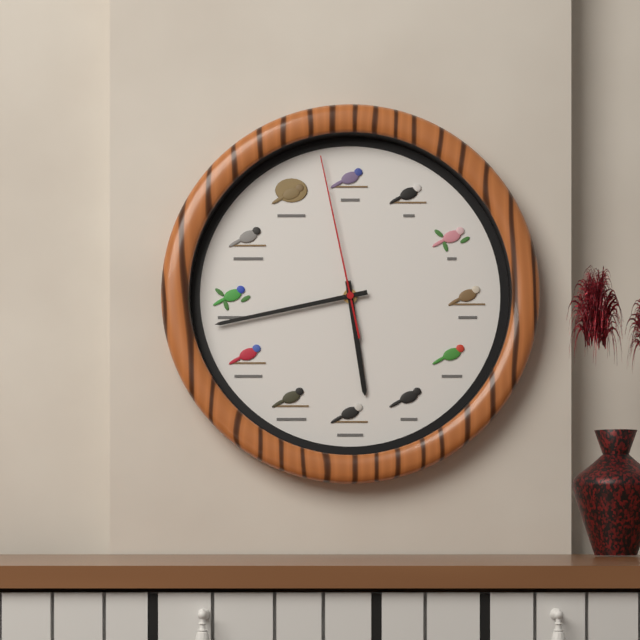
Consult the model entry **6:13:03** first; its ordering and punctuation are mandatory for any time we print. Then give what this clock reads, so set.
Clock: **5:43:58**
